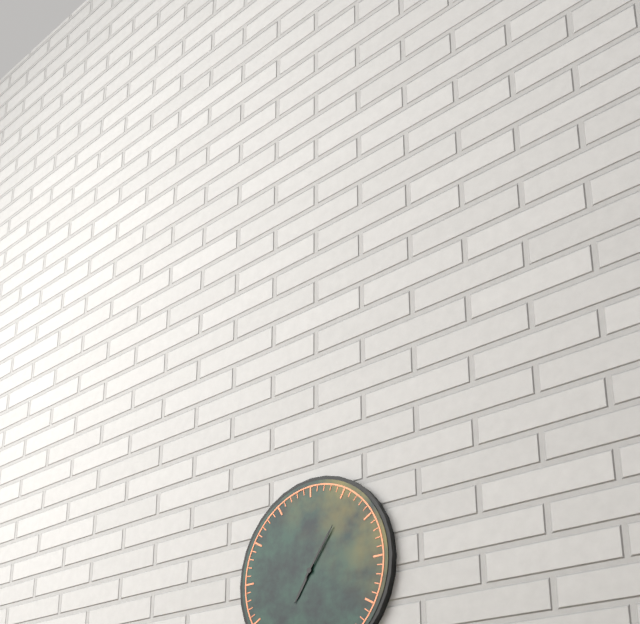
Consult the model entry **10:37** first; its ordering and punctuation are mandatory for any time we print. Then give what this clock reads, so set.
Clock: **7:06**
